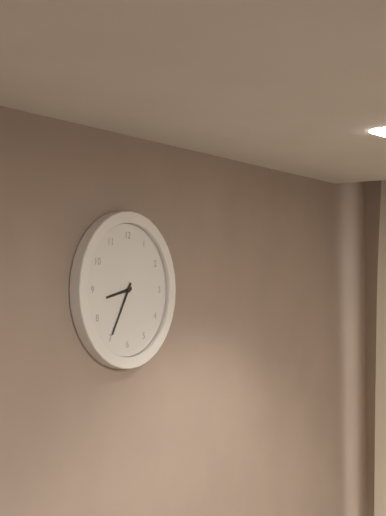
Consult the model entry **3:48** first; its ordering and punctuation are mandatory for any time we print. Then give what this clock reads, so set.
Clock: **8:35**
